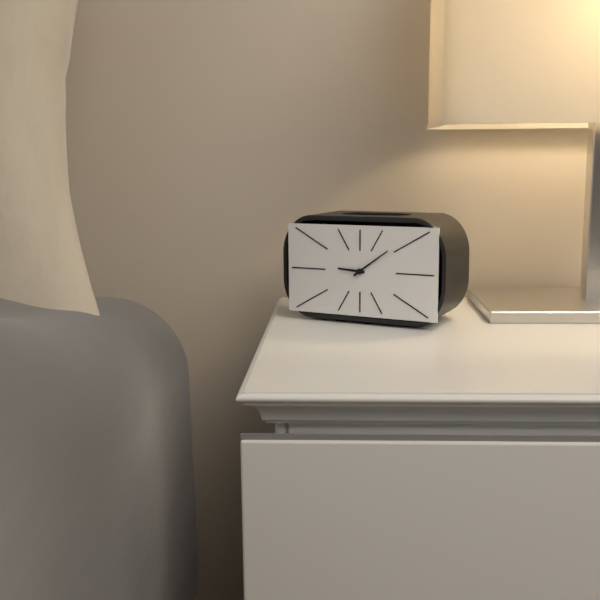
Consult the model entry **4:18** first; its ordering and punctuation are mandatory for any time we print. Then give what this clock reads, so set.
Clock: **9:09**
